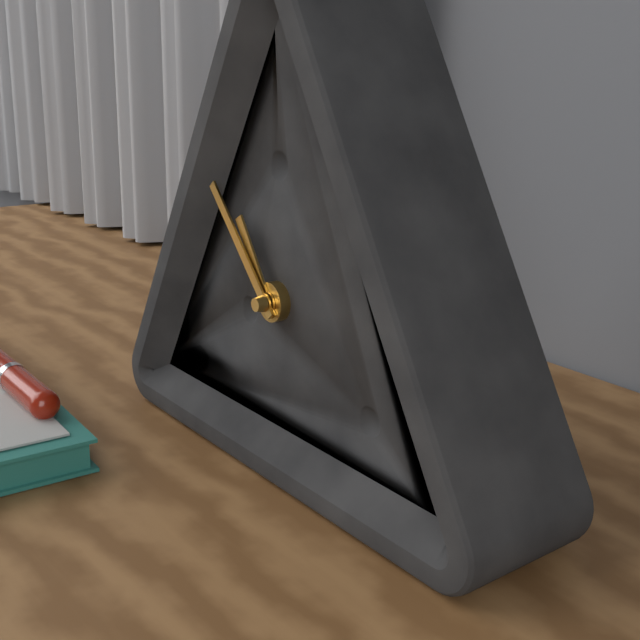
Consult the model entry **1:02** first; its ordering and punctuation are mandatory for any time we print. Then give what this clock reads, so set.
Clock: **10:53**
